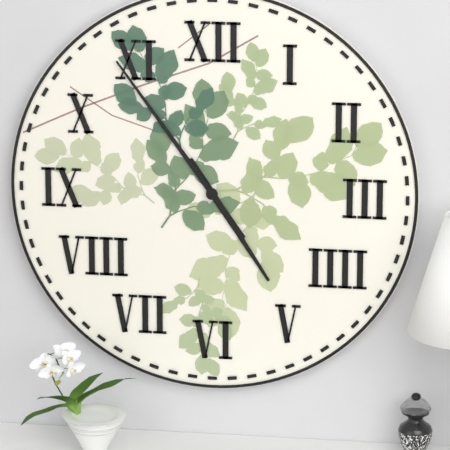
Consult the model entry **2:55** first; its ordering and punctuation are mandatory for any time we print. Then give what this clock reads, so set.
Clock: **4:54**
